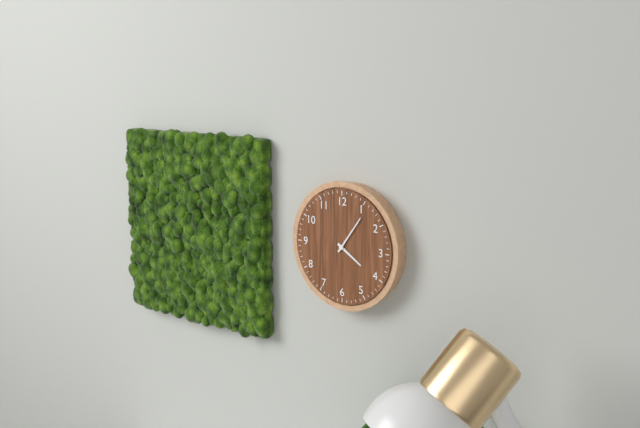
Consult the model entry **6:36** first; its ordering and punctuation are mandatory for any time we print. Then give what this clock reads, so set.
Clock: **4:06**
